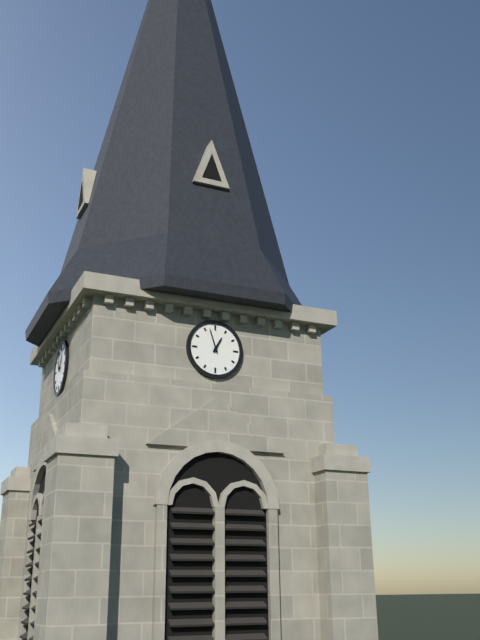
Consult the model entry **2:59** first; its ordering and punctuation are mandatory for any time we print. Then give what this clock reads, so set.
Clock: **12:57**
